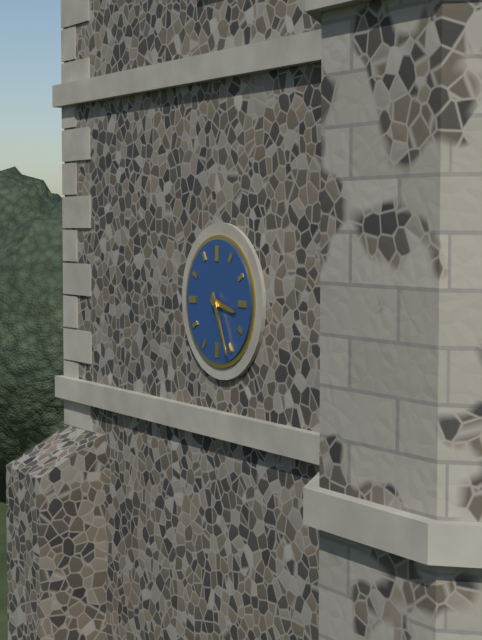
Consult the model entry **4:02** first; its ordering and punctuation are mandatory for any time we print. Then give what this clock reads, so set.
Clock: **3:26**
